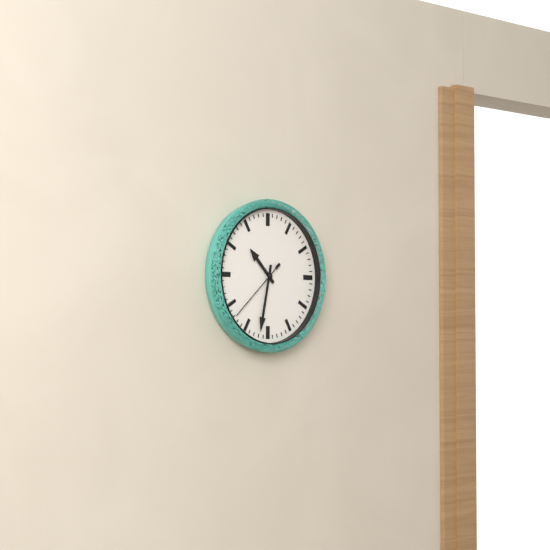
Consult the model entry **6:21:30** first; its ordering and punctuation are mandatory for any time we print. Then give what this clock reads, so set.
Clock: **10:32:38**
